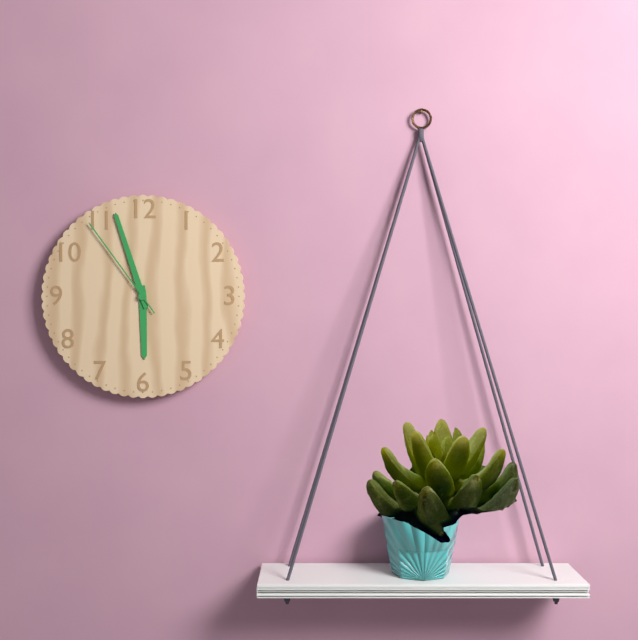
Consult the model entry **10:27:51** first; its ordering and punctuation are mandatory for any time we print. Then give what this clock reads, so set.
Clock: **5:57:54**
